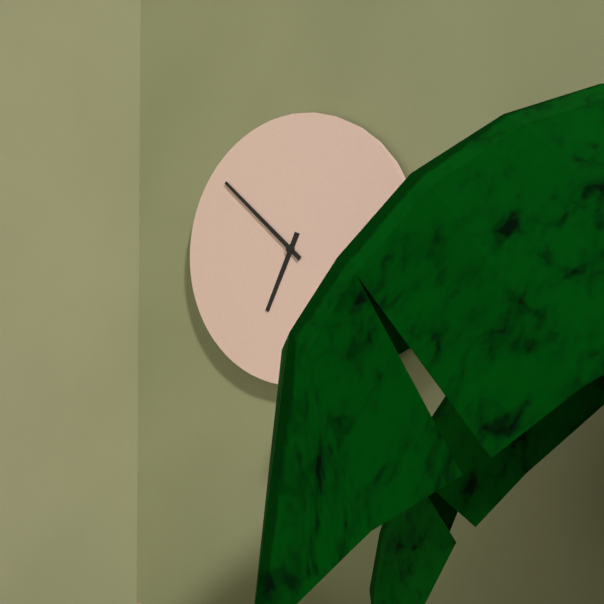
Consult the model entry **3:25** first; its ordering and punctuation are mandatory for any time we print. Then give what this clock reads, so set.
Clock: **6:52**
